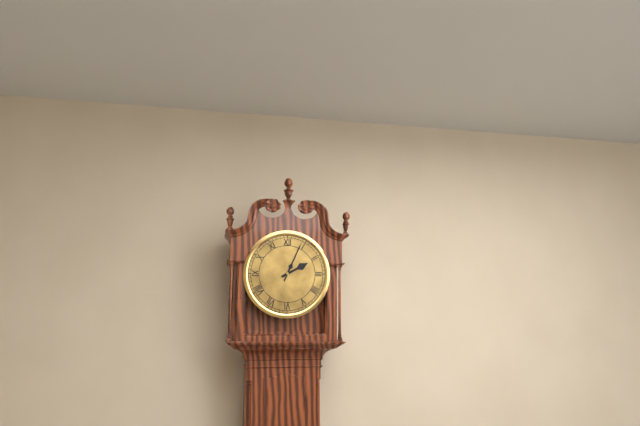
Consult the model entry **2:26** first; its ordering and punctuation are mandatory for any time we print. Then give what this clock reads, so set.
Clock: **2:04**
